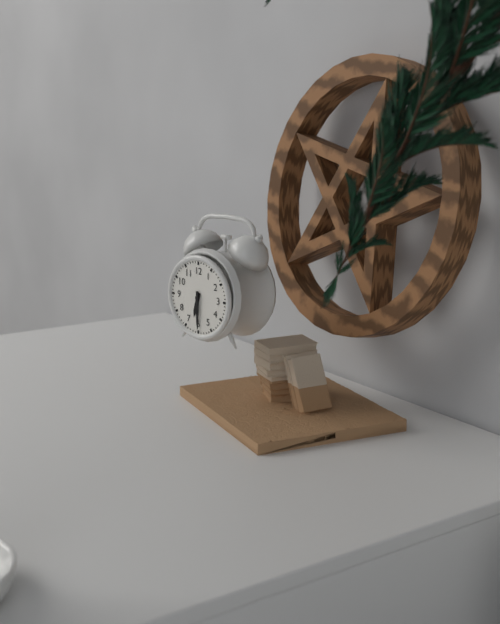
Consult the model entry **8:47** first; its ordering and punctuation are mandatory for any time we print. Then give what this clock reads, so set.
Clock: **6:30**
